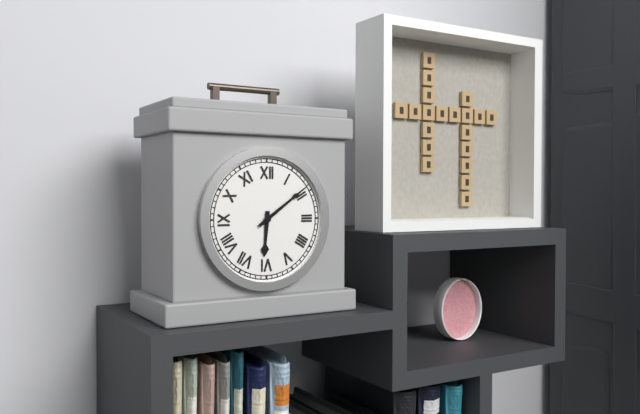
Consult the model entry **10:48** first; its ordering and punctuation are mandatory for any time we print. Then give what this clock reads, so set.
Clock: **6:09**
